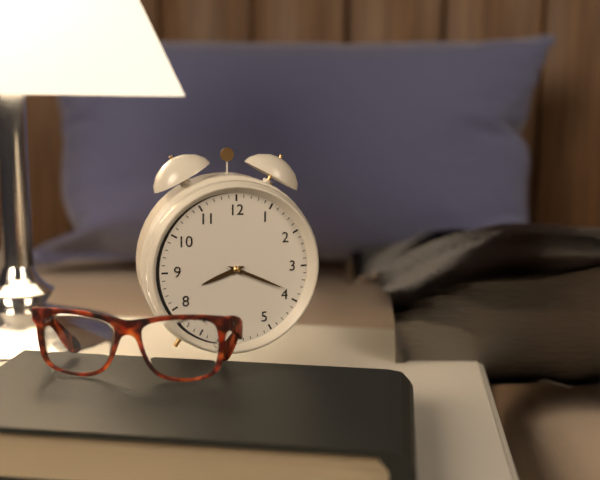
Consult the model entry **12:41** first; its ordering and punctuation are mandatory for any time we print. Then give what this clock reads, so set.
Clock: **8:19**
